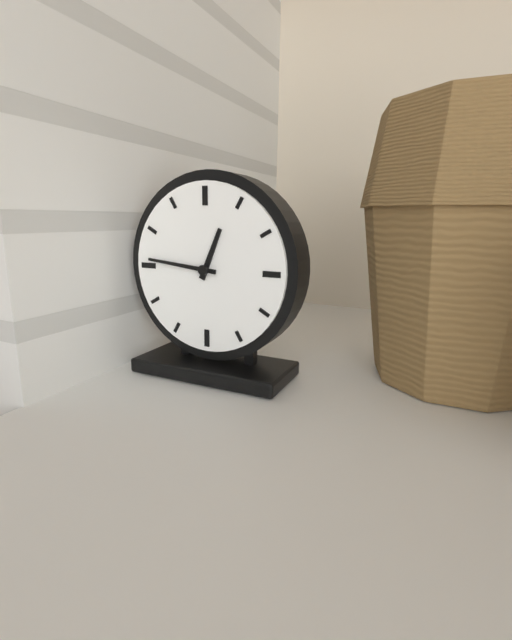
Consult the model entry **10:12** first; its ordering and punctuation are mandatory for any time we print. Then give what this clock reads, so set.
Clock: **12:46**
